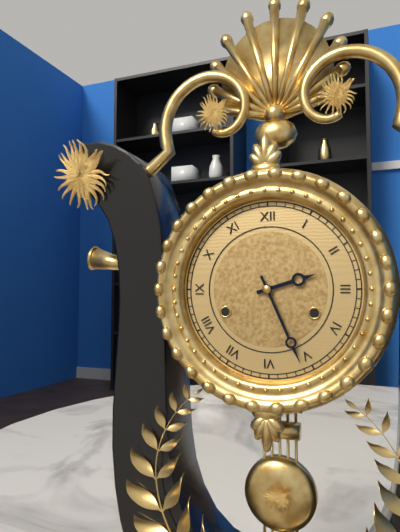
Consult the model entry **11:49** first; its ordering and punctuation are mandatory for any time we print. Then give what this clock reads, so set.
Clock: **2:26**
